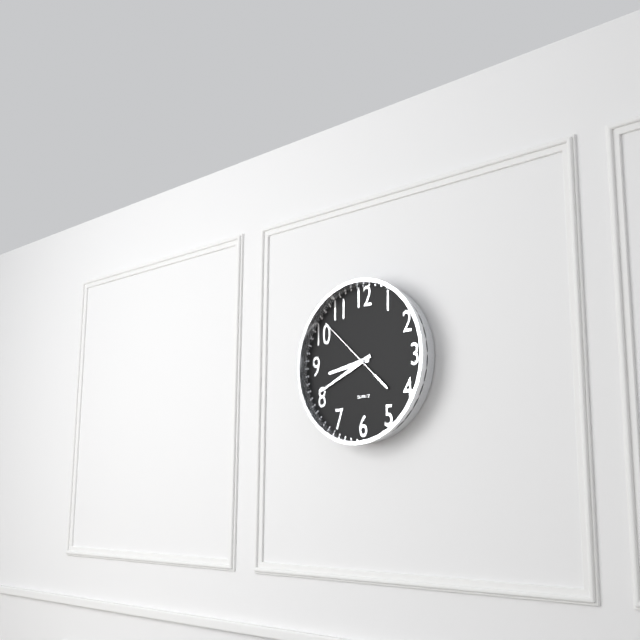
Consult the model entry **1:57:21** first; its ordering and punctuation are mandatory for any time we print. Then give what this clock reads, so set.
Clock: **8:41:52**
